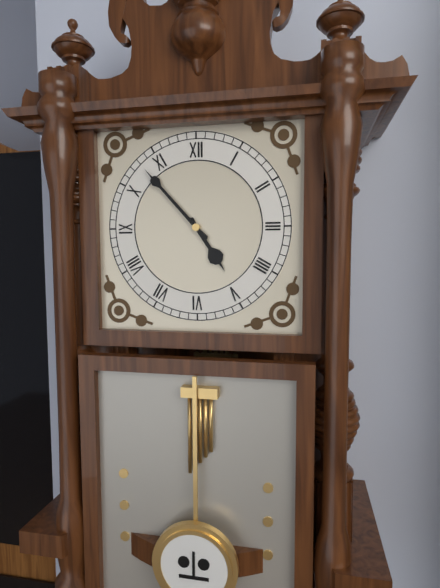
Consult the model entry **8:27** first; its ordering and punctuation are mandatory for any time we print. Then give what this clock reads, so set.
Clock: **4:53**
